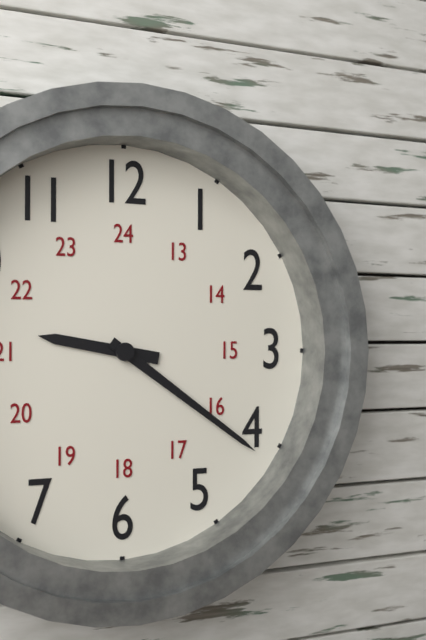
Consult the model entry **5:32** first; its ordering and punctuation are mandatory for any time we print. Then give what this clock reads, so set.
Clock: **9:21**
